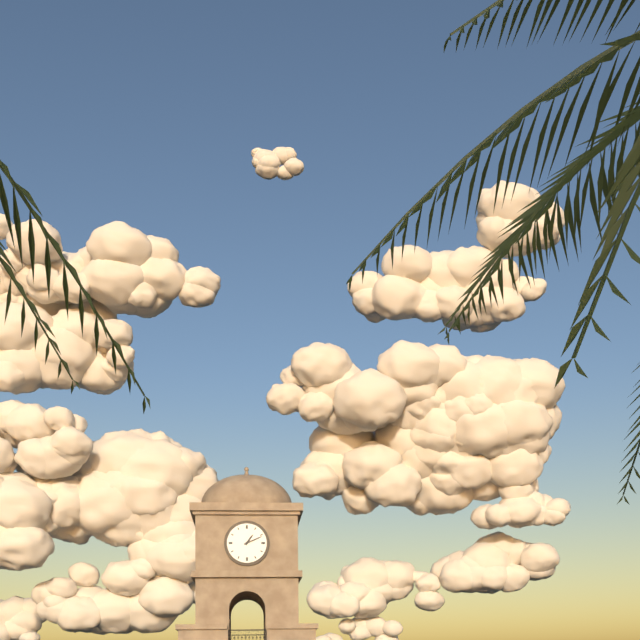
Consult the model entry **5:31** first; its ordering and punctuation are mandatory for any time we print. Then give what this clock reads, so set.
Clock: **1:11**
